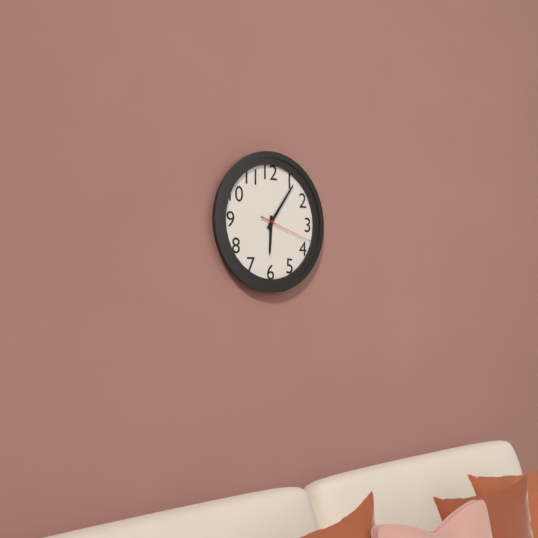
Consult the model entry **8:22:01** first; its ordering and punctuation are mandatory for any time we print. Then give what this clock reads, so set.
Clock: **6:06:18**
